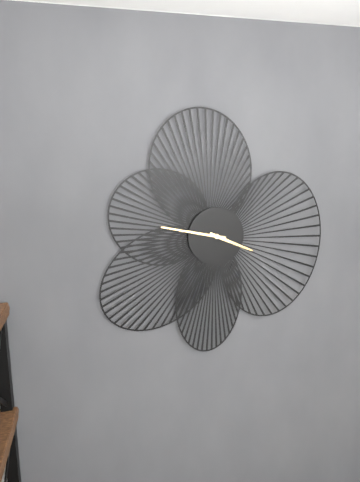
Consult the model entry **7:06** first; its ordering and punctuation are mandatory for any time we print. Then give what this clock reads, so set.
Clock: **3:47**
